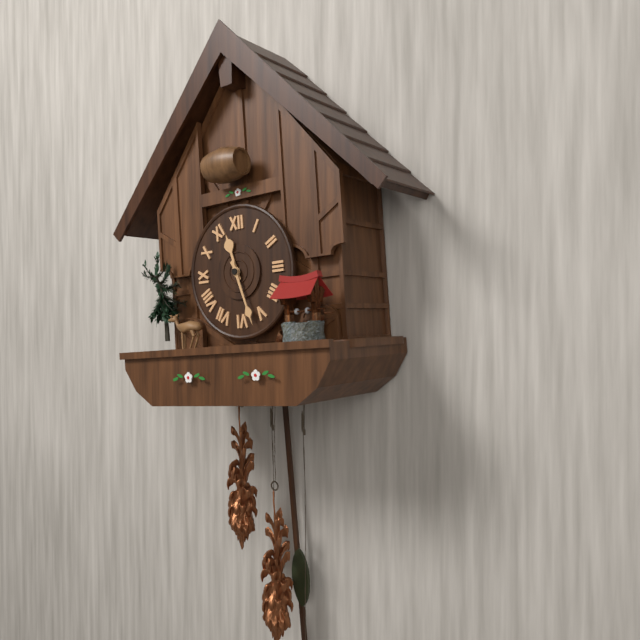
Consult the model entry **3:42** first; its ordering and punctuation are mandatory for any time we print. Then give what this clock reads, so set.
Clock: **11:27**
